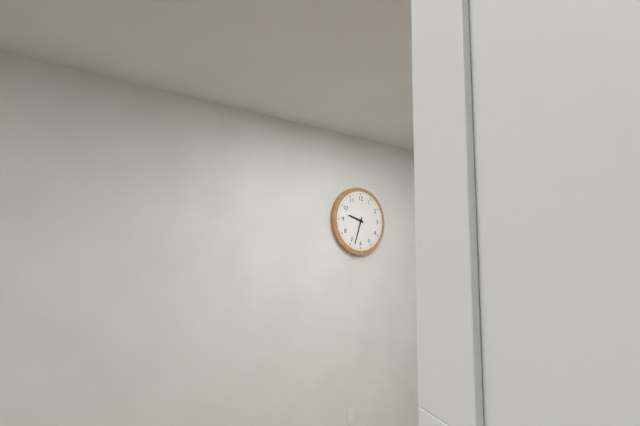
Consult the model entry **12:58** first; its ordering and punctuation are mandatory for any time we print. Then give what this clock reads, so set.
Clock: **9:33**
